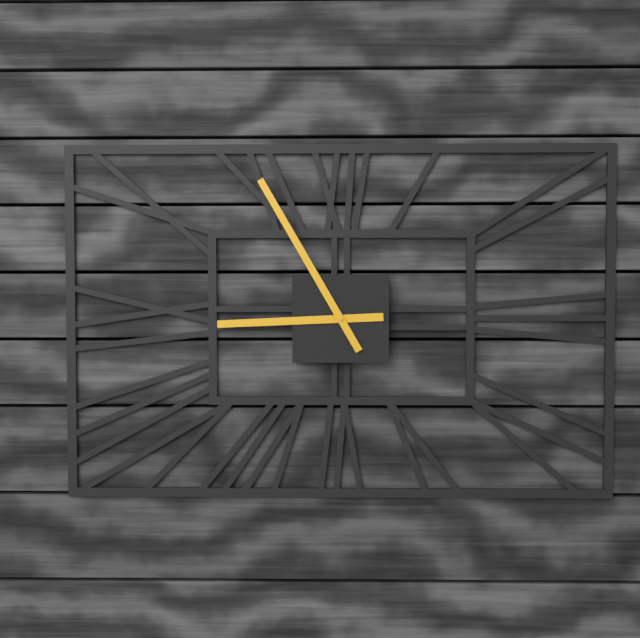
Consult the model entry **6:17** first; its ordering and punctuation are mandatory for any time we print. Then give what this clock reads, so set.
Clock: **8:55**
